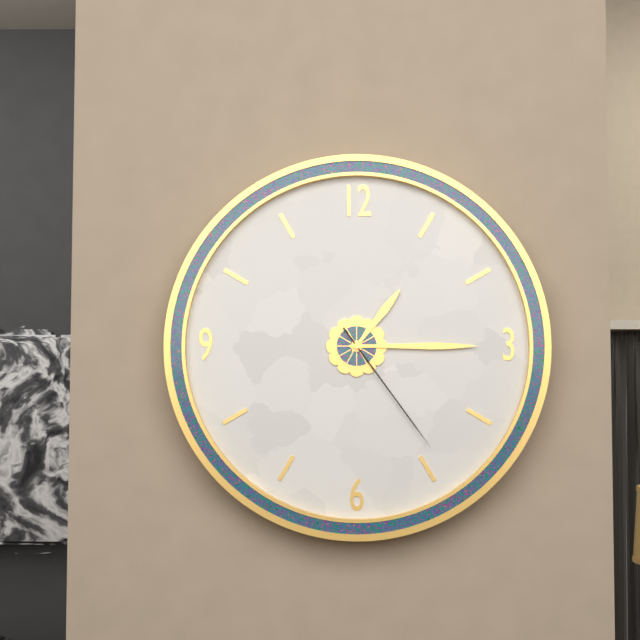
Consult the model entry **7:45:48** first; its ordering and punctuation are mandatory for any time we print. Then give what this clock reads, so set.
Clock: **1:15:24**
